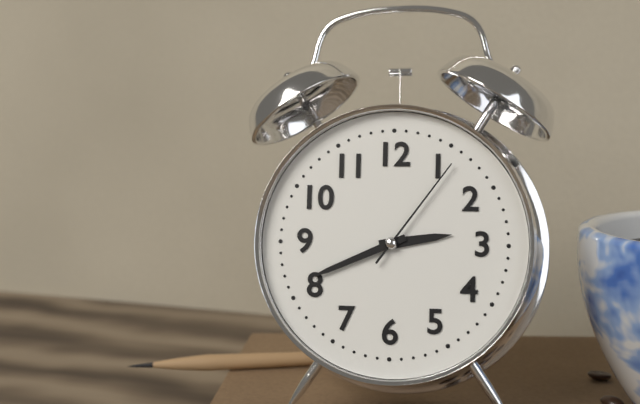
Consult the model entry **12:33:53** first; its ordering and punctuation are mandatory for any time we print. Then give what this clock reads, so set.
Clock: **2:41:06**
